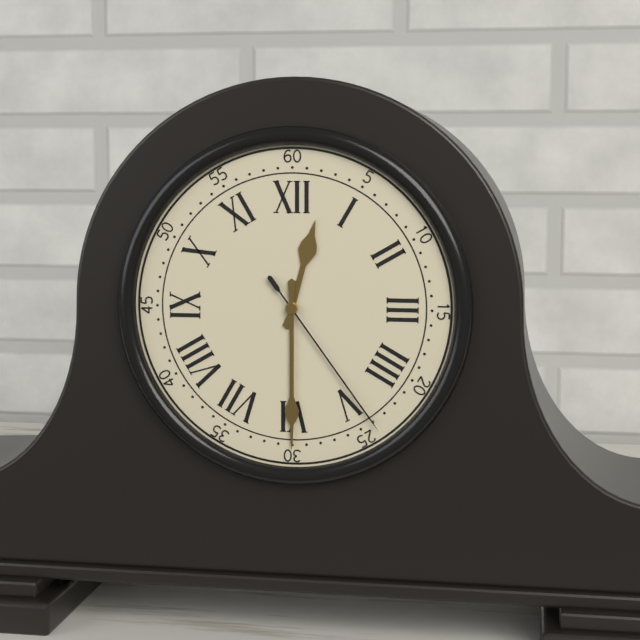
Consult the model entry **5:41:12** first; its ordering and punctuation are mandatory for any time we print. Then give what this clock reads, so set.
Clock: **12:30:24**
